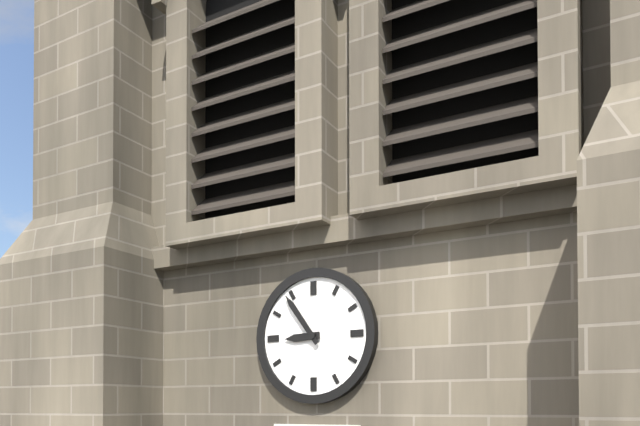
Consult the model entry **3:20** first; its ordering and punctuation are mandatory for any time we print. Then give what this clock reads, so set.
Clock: **8:54**
